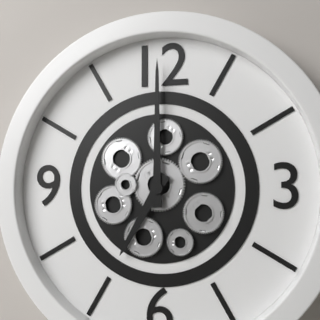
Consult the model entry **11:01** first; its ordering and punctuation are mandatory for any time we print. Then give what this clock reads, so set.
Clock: **7:00**
